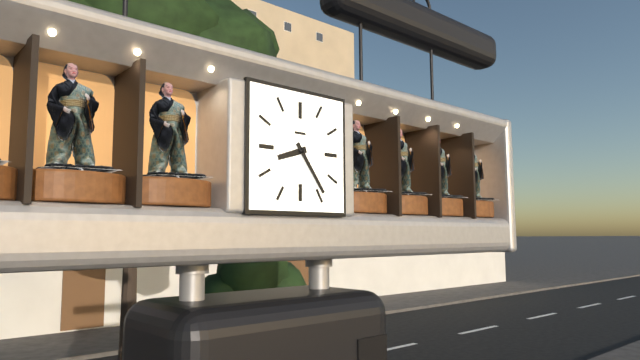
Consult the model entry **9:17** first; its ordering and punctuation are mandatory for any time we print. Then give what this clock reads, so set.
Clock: **8:24**
